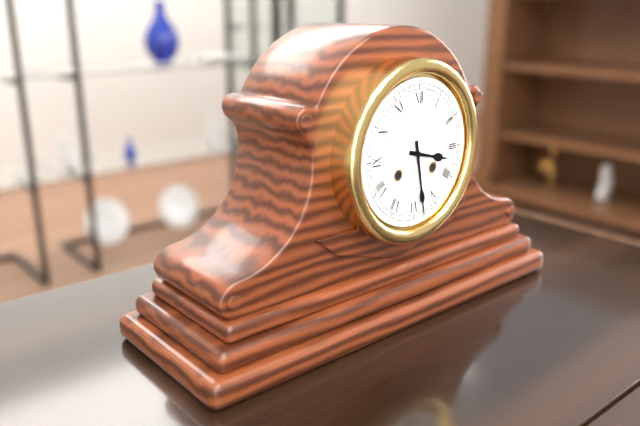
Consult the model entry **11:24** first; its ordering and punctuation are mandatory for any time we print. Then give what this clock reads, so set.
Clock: **3:28**
